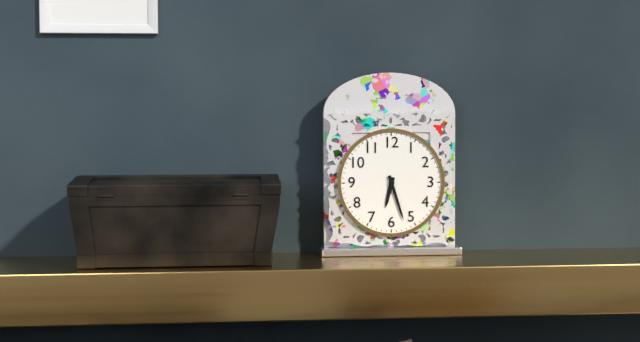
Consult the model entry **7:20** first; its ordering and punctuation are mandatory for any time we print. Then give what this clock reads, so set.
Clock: **6:27**
